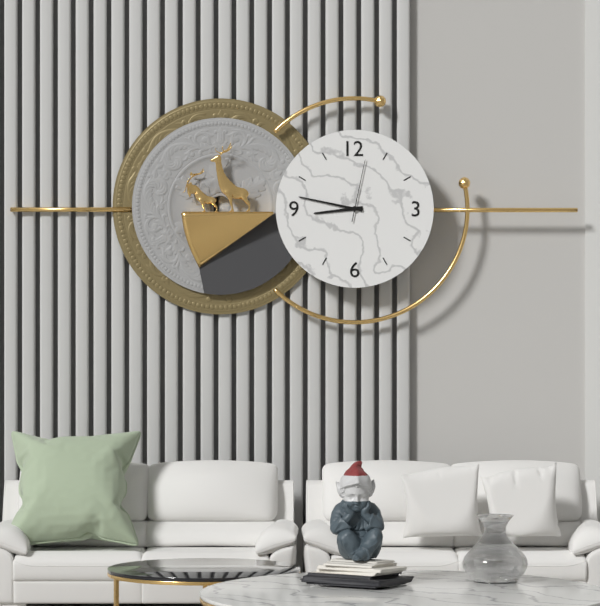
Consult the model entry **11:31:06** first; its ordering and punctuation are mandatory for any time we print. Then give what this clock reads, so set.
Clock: **8:47:02**
